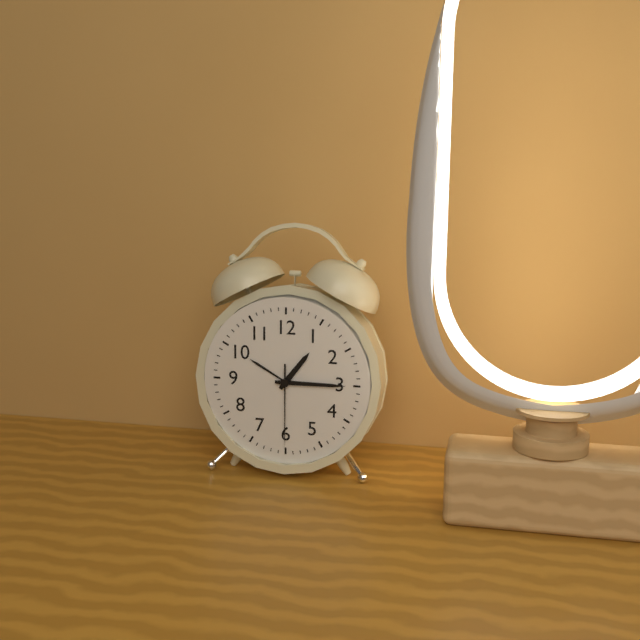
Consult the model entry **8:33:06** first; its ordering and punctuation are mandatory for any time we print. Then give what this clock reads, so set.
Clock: **1:15:30**
